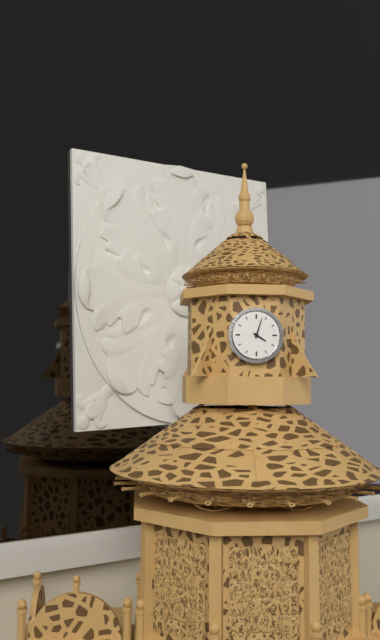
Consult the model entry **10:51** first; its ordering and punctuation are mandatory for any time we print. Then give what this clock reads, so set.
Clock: **4:03**
